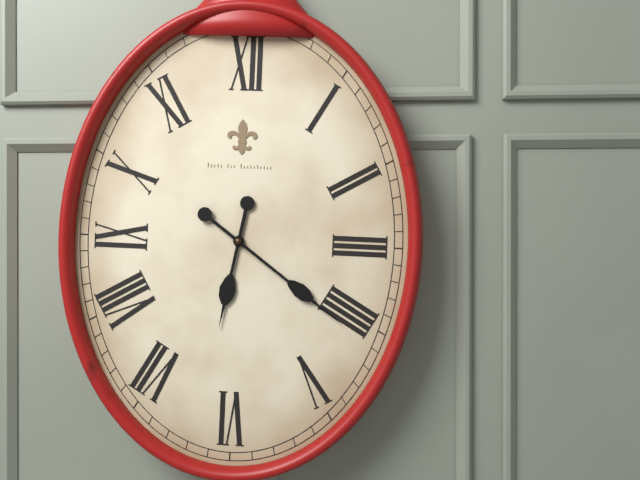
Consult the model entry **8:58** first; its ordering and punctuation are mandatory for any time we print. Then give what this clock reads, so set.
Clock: **6:21**
